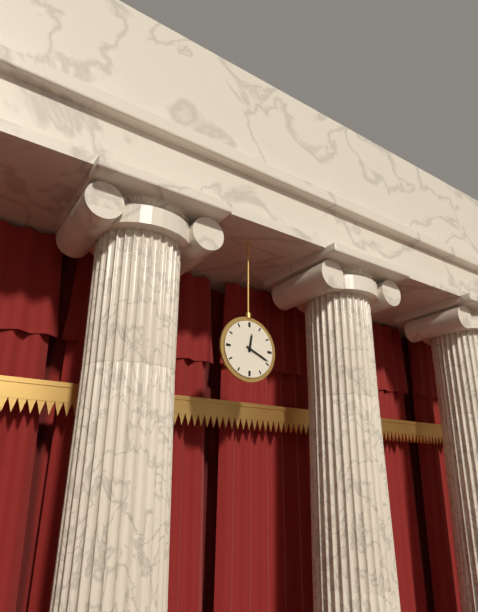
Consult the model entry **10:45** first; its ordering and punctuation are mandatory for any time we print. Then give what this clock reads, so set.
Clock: **12:19**
